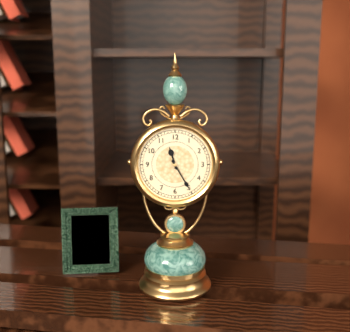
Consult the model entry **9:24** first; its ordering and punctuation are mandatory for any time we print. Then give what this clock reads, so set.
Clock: **11:25**
